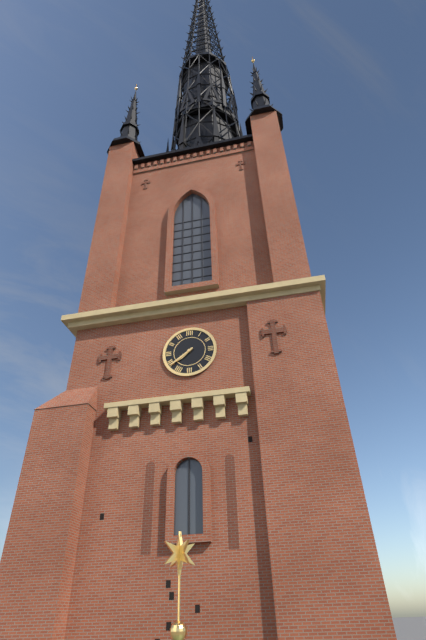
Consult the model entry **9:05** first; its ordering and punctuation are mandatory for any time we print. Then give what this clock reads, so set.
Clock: **7:39**
